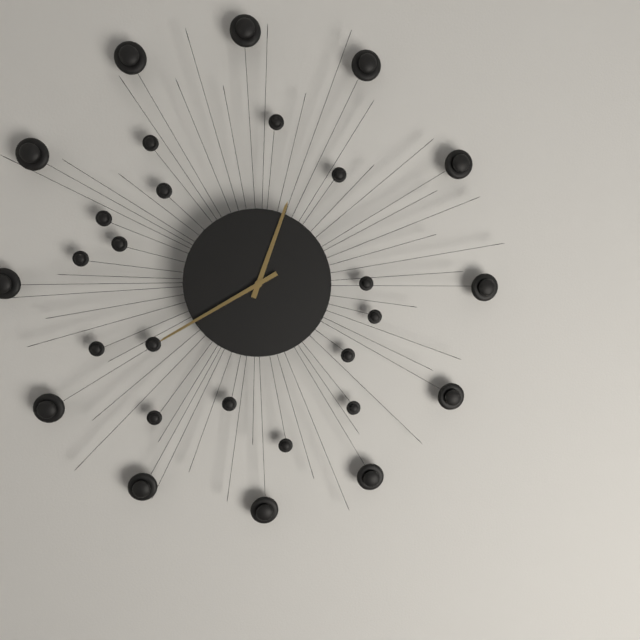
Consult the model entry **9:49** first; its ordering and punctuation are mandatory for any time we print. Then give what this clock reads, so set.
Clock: **12:40**
